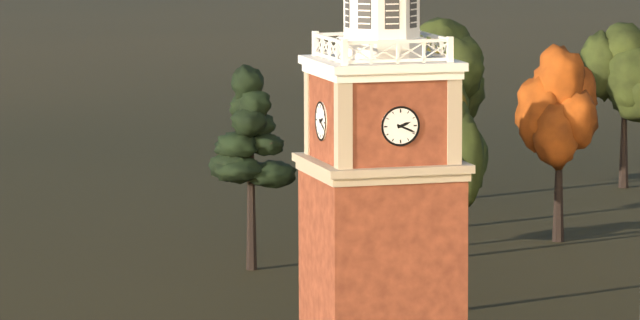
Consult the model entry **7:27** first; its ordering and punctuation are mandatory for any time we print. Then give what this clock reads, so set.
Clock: **2:19**
